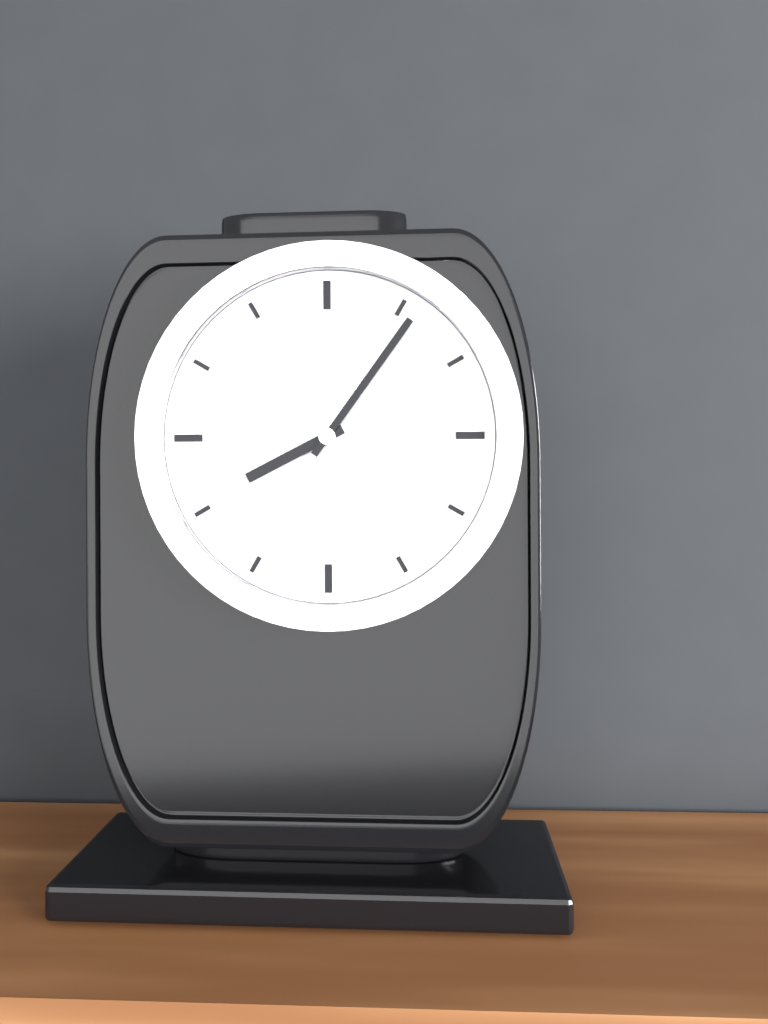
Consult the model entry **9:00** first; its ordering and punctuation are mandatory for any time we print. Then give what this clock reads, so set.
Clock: **8:06**
